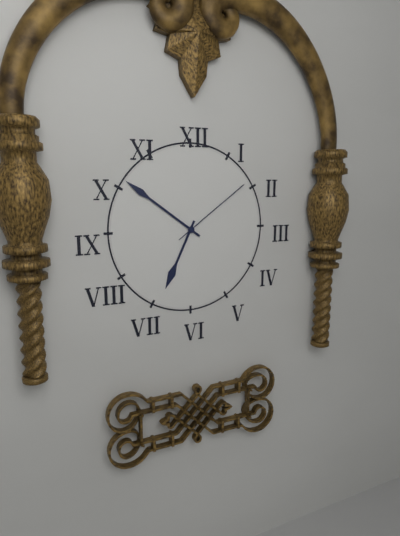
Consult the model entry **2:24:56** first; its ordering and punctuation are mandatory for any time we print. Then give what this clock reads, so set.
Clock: **6:51:09**
